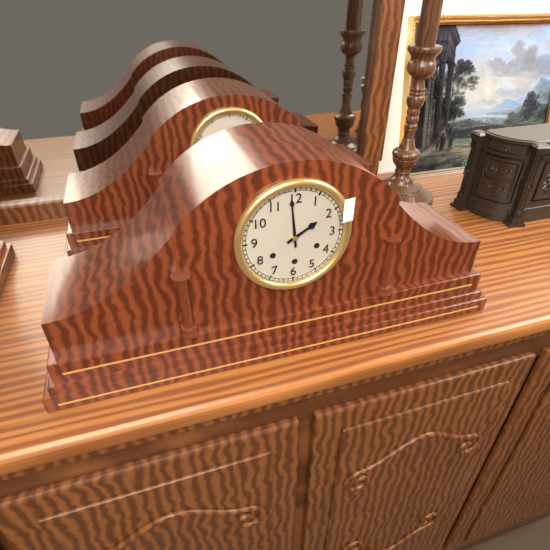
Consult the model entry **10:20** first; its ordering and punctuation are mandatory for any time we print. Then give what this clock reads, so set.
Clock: **1:59**
